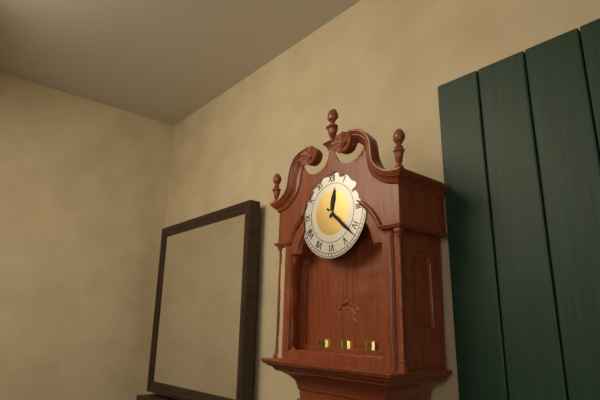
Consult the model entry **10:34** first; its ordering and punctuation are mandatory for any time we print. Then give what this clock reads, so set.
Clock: **12:22**
